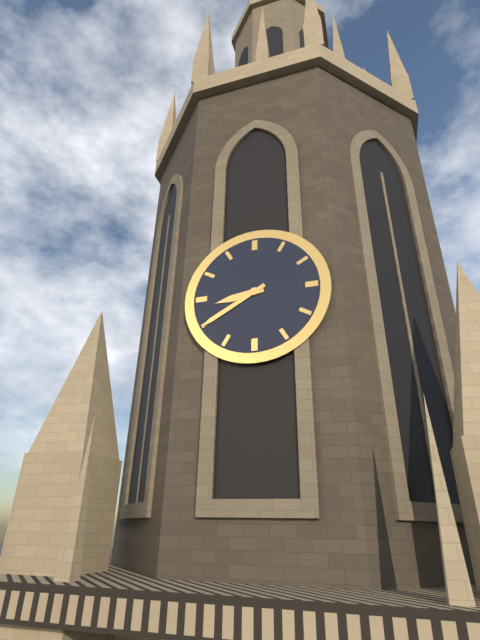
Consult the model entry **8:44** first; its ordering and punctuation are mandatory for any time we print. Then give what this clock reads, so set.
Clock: **8:40**
